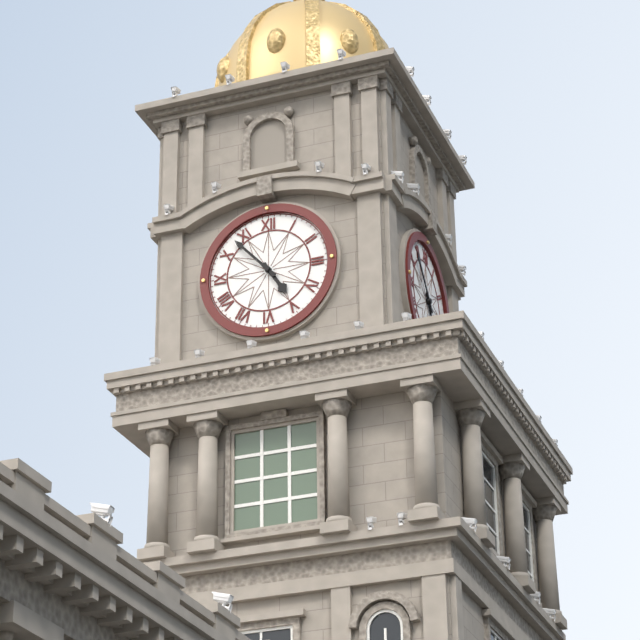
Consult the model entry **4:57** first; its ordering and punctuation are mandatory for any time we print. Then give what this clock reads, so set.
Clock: **4:53**
